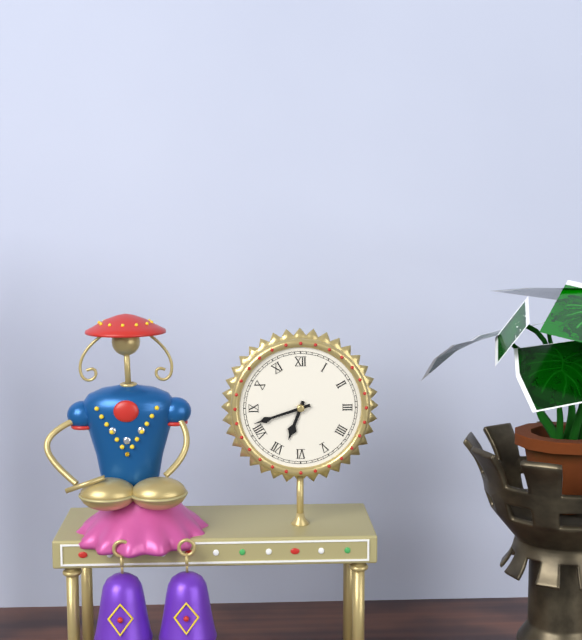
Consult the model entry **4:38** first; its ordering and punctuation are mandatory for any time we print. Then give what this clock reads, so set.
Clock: **6:42**
